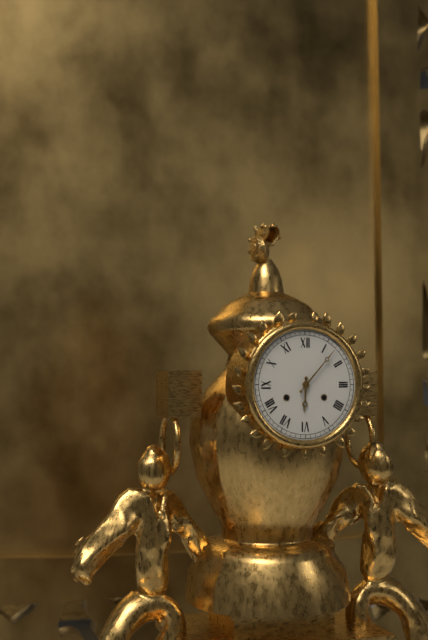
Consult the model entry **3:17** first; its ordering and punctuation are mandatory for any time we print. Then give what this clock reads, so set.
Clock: **6:07**
